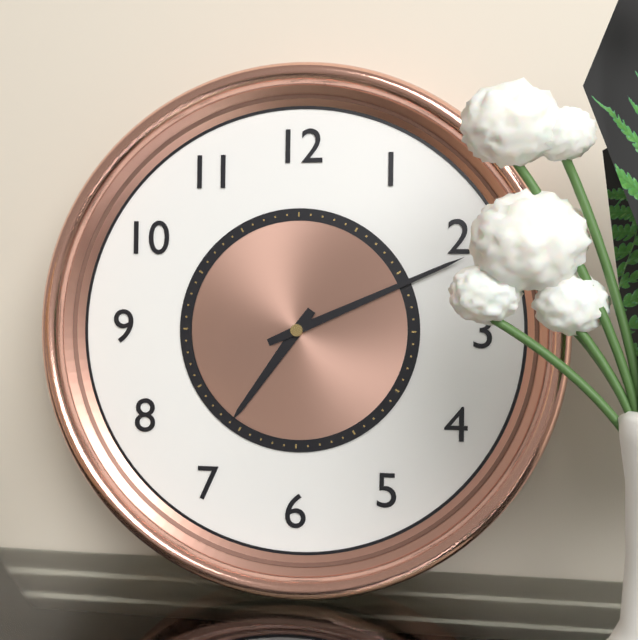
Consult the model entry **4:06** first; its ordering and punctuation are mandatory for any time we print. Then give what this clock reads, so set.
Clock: **7:11**
